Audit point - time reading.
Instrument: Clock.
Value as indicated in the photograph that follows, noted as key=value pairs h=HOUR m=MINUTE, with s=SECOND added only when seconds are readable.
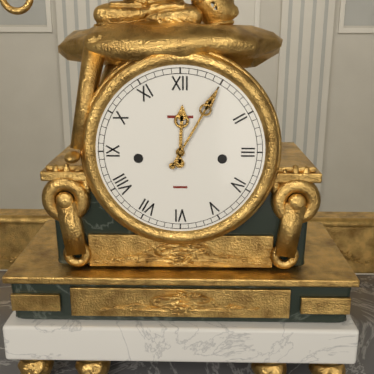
h=12 m=5
